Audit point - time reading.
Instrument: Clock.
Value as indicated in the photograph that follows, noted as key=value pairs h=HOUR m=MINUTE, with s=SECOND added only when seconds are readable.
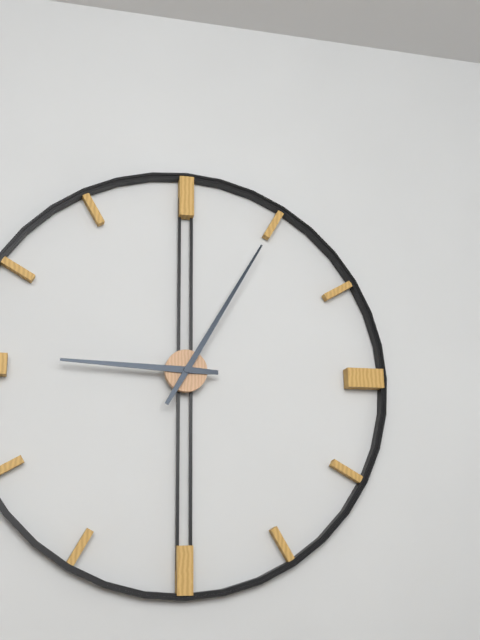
h=9 m=5
